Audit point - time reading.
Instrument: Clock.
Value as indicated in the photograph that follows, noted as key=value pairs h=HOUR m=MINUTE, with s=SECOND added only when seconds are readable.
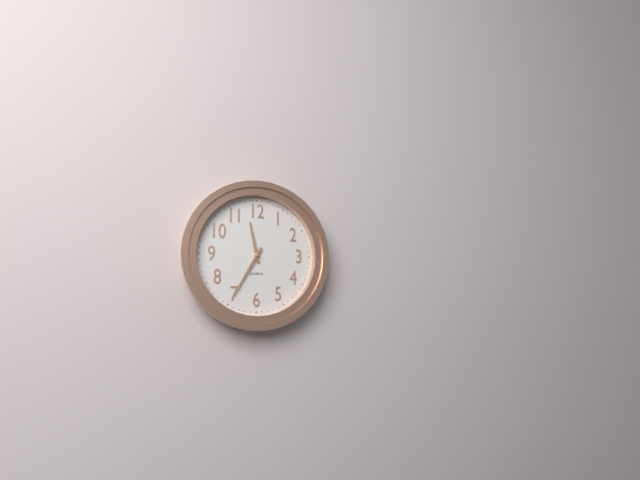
h=11 m=35
